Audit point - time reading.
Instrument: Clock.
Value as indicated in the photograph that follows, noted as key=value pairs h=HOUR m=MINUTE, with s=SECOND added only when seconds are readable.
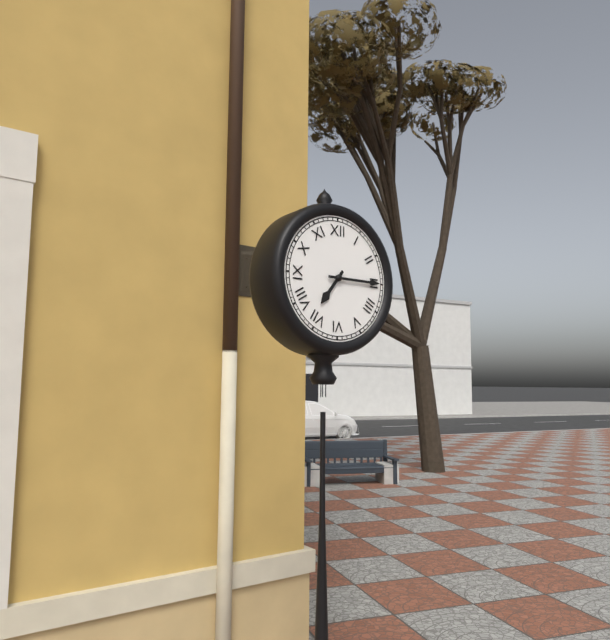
h=7 m=15
